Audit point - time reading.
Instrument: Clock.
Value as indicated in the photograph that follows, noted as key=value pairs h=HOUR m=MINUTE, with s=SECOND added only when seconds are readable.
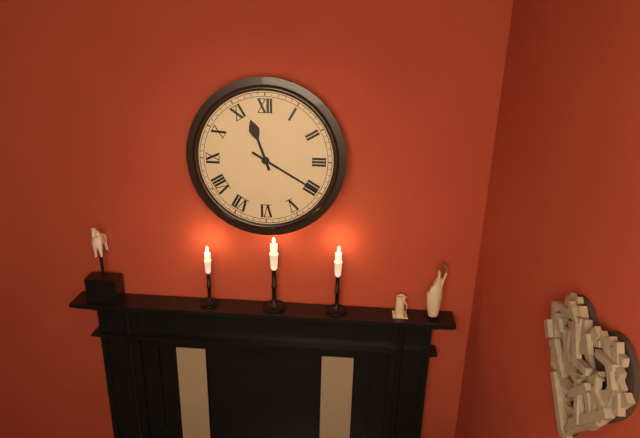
h=11 m=20
